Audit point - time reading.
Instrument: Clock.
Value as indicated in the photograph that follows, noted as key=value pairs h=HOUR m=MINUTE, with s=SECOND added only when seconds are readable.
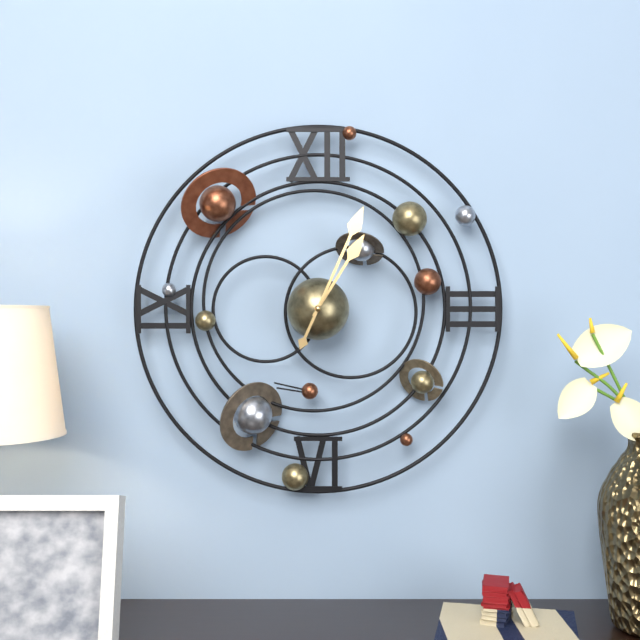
h=1 m=4
